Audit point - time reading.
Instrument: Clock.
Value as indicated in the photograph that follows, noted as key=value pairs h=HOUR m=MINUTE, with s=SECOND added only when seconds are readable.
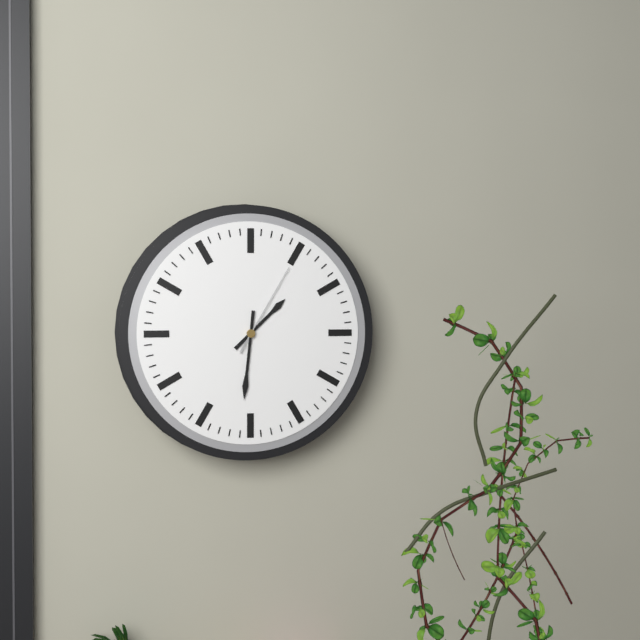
h=1 m=31 s=5
